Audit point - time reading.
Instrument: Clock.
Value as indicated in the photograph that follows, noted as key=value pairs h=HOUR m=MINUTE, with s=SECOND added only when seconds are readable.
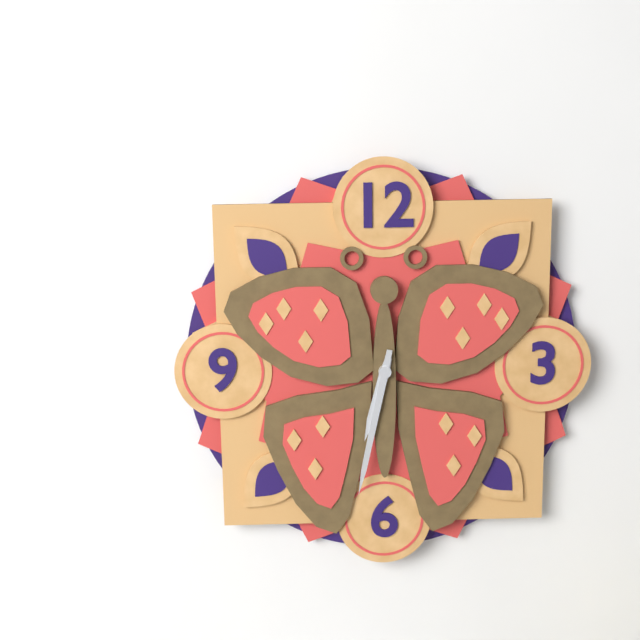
h=6 m=32
